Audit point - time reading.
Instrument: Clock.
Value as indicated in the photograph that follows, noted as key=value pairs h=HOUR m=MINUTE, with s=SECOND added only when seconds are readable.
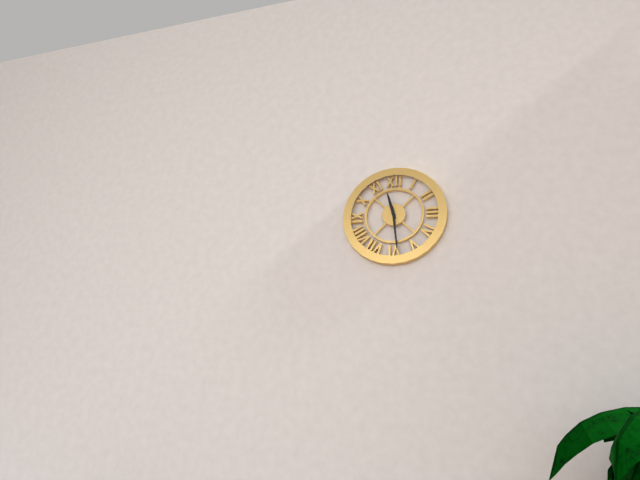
h=11 m=29
